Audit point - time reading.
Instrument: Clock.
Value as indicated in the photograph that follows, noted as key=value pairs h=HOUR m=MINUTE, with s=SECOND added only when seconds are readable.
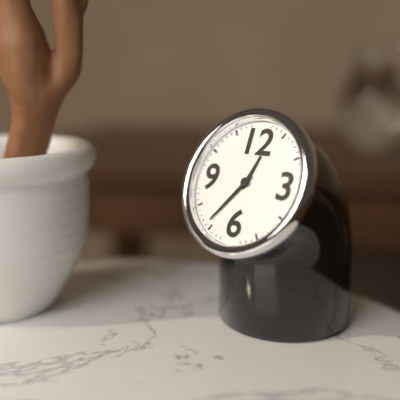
h=12 m=36
